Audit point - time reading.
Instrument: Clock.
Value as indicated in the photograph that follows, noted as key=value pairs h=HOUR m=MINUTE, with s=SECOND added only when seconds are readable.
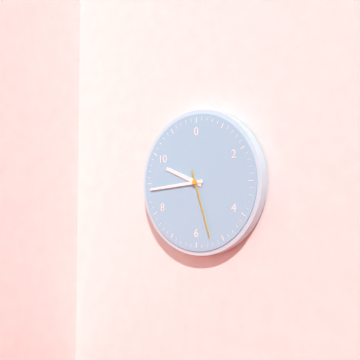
h=9 m=44 s=27
